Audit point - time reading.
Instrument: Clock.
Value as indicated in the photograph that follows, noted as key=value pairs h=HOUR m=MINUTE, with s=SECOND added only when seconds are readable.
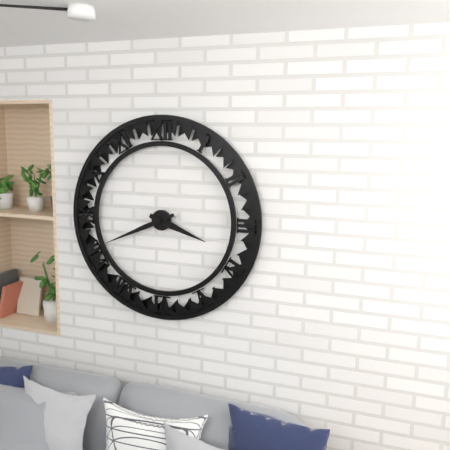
h=3 m=41
